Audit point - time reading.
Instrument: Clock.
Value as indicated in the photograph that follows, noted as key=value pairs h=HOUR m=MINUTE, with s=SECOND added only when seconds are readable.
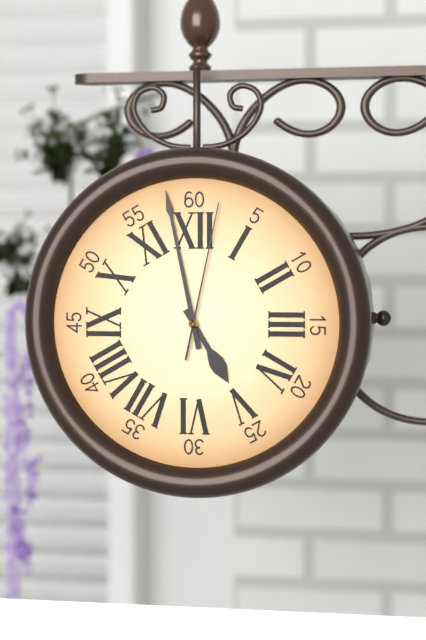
h=4 m=58 s=2
